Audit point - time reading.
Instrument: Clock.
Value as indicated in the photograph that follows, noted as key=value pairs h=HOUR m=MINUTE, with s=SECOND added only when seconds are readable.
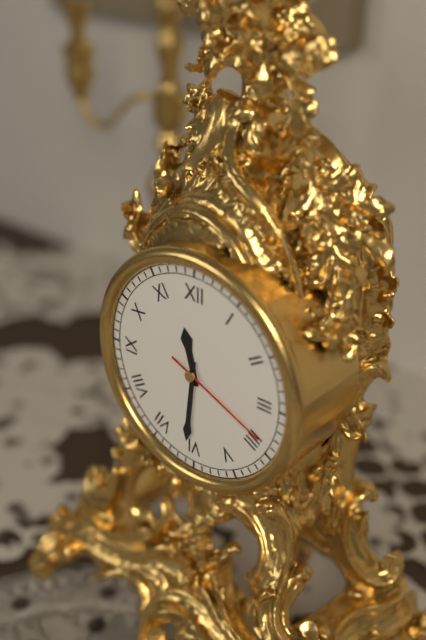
h=11 m=31 s=19
